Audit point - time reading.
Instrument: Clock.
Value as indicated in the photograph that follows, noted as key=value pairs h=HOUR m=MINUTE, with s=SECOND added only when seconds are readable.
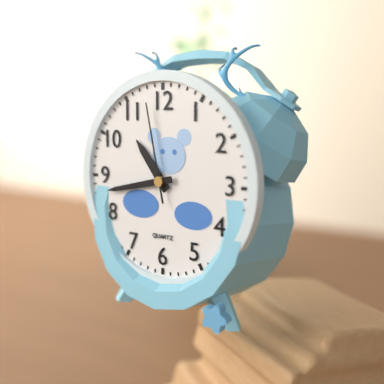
h=10 m=43 s=58
